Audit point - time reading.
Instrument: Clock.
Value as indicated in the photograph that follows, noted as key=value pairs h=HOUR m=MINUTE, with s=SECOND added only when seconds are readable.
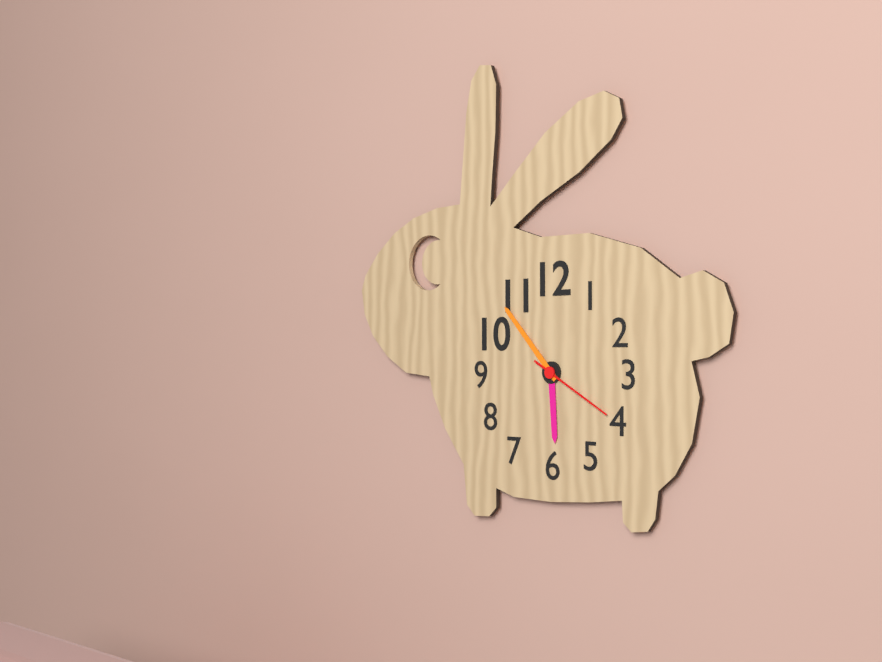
h=5 m=53 s=20
